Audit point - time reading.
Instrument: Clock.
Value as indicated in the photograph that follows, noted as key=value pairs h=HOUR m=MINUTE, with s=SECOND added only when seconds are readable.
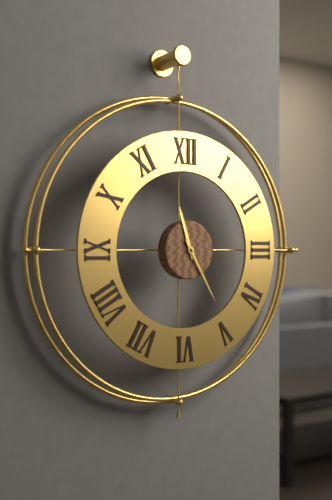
h=11 m=25
